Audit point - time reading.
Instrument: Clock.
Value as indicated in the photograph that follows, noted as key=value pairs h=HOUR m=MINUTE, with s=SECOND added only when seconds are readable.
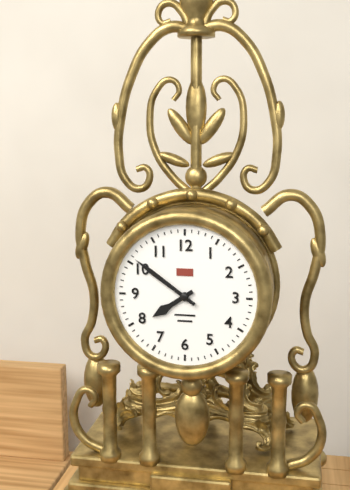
h=7 m=51
